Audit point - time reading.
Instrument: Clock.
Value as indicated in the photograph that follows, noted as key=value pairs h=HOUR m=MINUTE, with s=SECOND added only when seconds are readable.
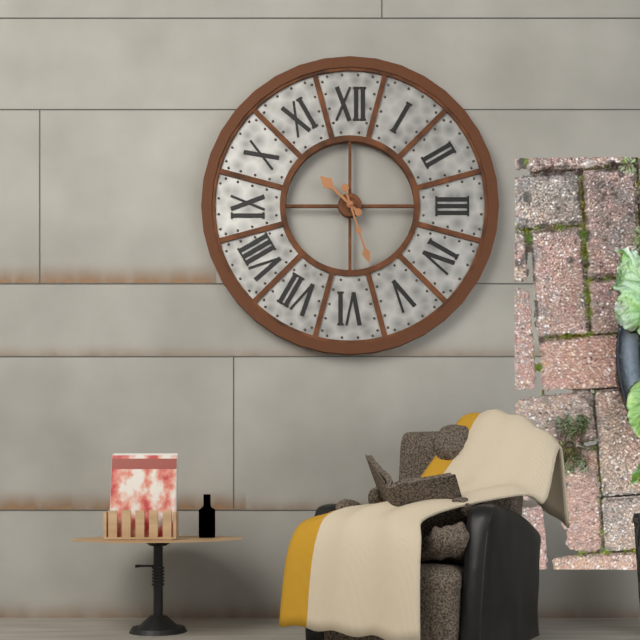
h=10 m=27
